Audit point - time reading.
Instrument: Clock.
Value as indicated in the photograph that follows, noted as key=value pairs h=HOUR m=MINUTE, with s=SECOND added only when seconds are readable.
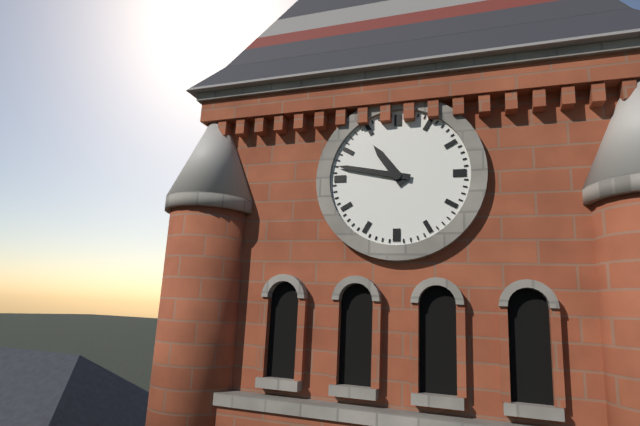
h=10 m=47
